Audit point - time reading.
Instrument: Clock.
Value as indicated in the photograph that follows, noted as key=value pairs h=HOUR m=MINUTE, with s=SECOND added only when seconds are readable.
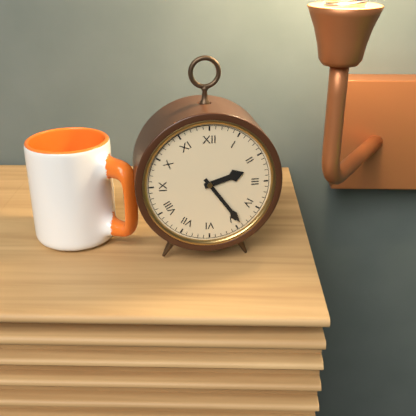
h=2 m=24
